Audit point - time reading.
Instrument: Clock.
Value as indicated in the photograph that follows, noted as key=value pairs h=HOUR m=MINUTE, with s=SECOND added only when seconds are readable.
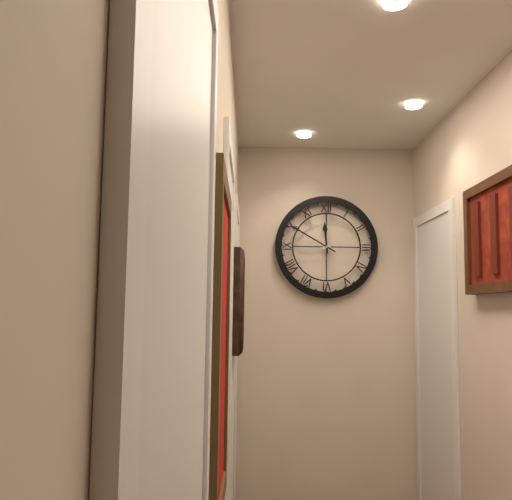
h=11 m=50
